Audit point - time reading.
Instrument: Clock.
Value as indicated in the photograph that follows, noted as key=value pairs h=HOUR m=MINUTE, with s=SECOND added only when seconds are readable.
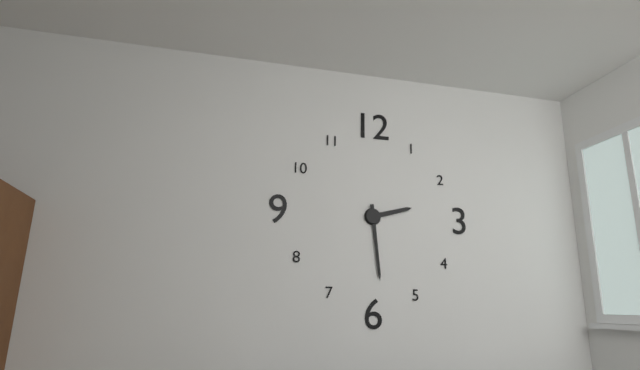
h=2 m=29
